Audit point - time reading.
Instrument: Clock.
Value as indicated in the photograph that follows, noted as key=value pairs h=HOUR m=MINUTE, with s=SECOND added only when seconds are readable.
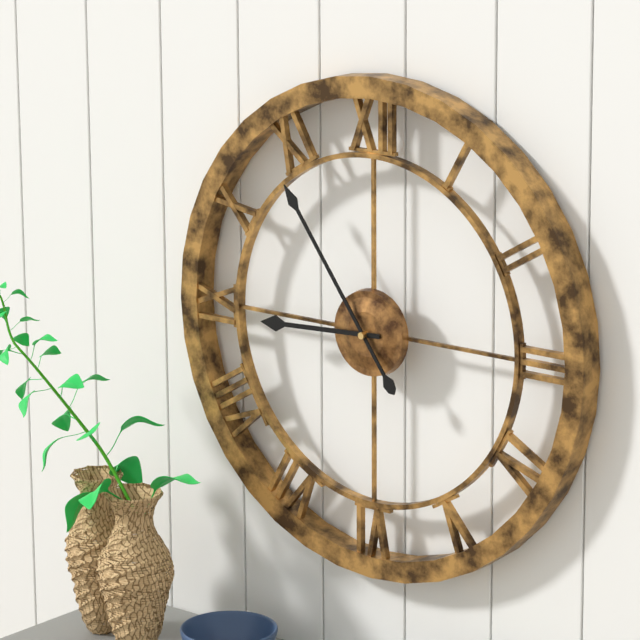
h=8 m=54
